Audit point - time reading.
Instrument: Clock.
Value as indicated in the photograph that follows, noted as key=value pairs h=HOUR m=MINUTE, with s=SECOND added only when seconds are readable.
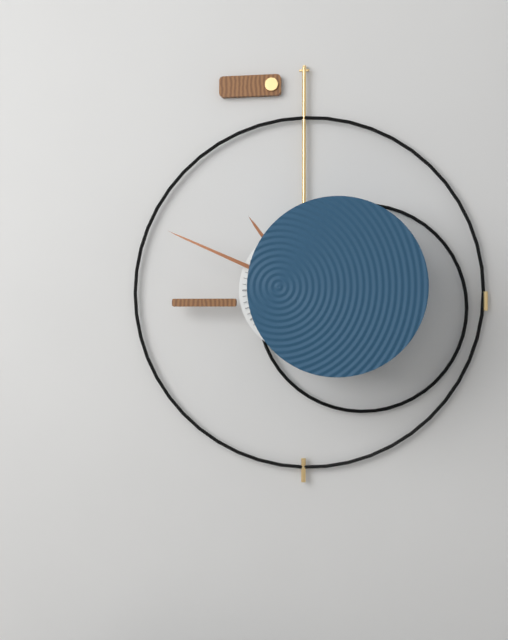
h=10 m=49
